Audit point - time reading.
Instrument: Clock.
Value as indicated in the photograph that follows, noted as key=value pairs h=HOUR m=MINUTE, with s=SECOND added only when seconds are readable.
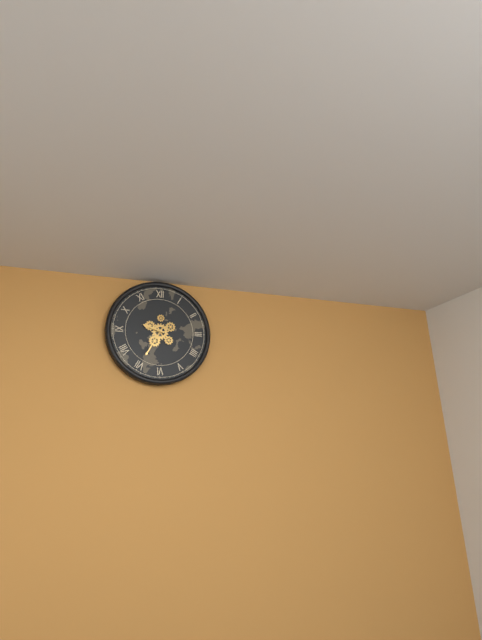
h=9 m=35
